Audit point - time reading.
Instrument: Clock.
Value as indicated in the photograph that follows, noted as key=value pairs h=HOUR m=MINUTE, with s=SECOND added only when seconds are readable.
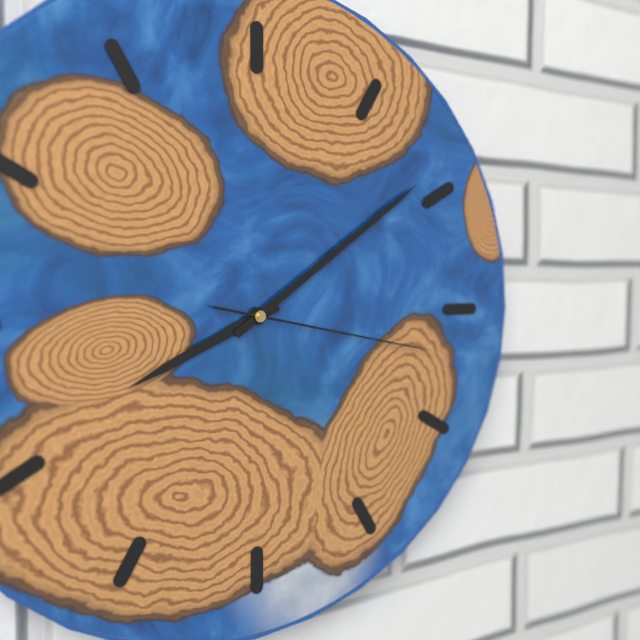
h=8 m=9 s=17
